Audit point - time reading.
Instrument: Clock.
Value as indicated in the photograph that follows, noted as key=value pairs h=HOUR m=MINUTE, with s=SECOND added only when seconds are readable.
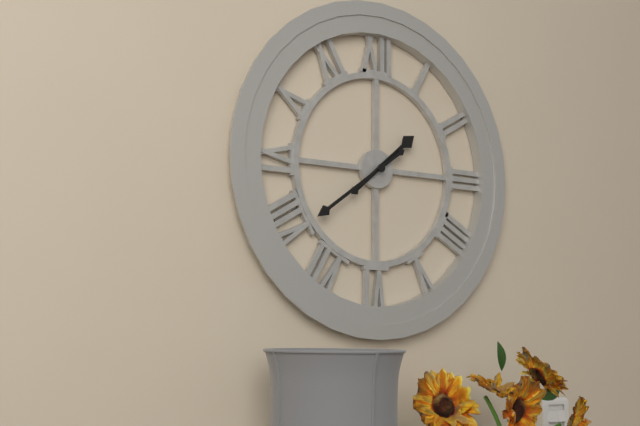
h=1 m=39
